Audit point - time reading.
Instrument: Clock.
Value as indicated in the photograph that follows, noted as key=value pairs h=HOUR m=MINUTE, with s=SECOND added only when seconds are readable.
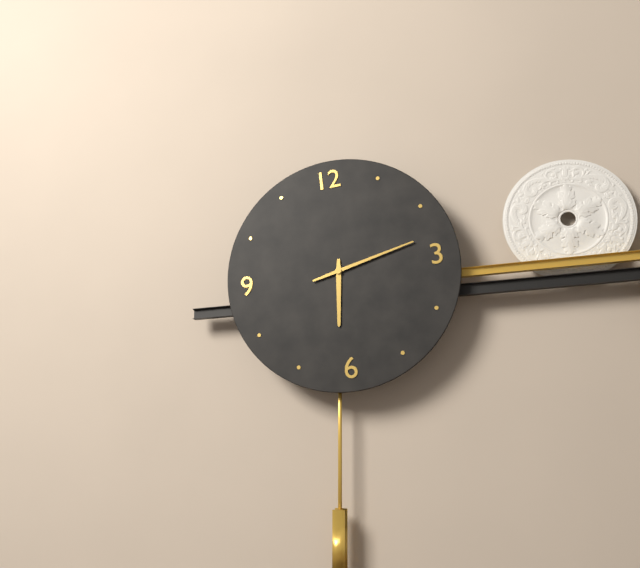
h=6 m=13
